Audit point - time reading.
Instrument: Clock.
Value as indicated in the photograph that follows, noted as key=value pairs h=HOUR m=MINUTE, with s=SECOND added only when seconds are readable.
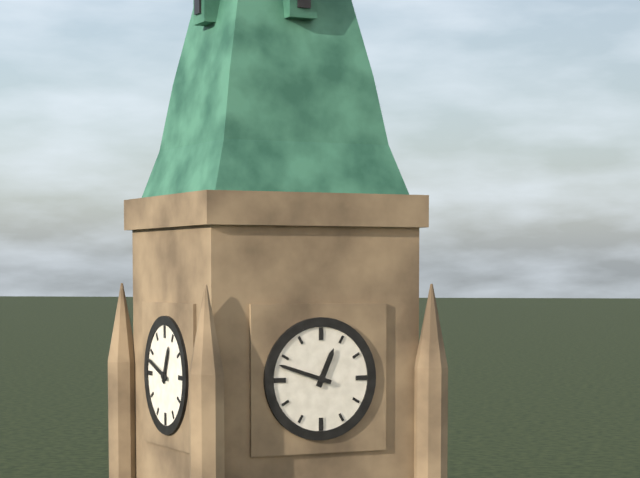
h=12 m=48
